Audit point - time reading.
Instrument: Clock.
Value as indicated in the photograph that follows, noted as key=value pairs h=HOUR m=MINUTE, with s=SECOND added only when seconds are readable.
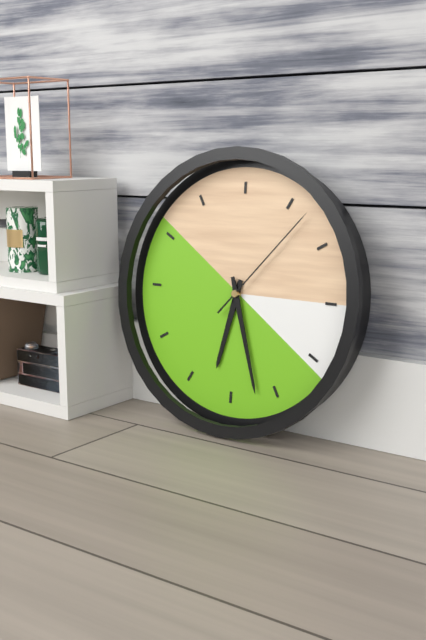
h=6 m=27 s=7
